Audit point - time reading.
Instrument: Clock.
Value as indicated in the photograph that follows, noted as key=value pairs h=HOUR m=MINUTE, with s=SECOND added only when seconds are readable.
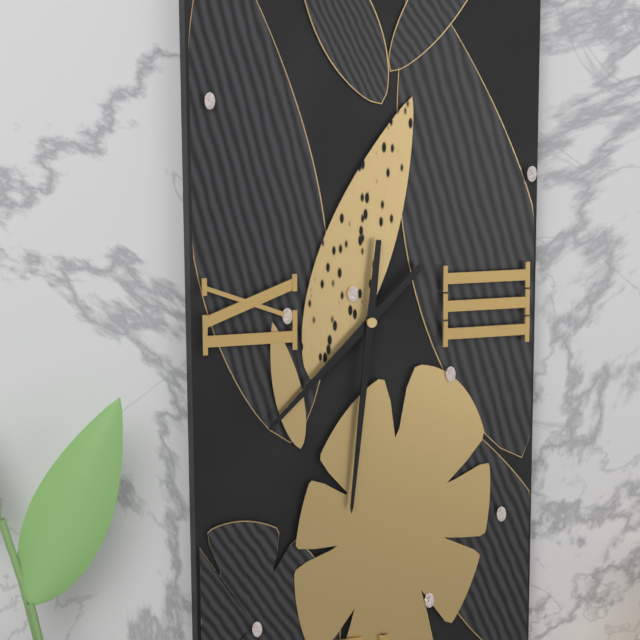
h=7 m=31
